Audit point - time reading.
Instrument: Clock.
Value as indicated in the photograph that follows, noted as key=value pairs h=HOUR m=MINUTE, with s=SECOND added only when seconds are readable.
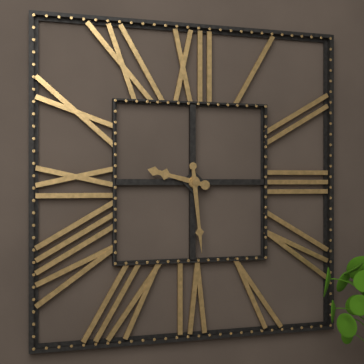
h=9 m=29
